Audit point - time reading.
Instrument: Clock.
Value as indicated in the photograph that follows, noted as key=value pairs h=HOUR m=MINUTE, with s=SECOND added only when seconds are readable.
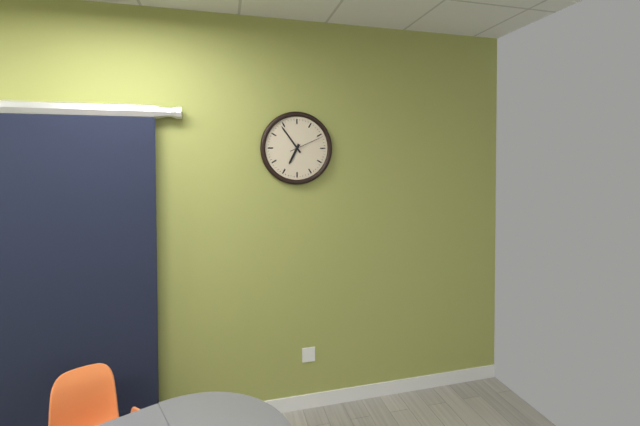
h=6 m=54
